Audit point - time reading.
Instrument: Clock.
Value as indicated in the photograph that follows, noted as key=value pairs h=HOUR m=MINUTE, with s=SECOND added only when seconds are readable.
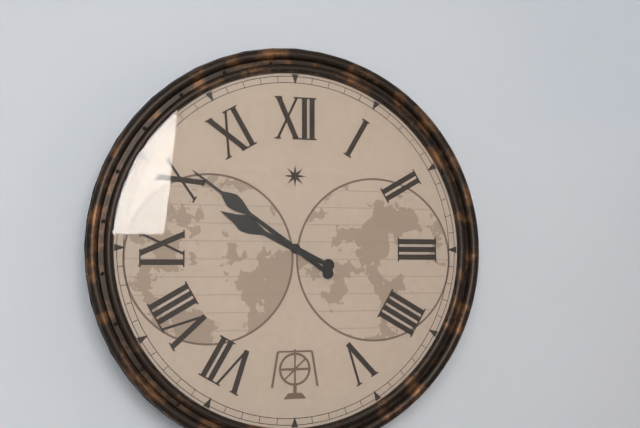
h=9 m=51
